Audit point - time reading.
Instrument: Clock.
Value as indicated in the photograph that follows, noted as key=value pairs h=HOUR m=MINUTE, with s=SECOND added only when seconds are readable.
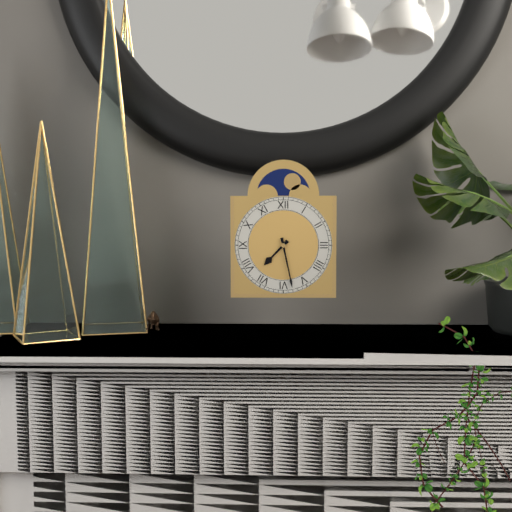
h=7 m=28
